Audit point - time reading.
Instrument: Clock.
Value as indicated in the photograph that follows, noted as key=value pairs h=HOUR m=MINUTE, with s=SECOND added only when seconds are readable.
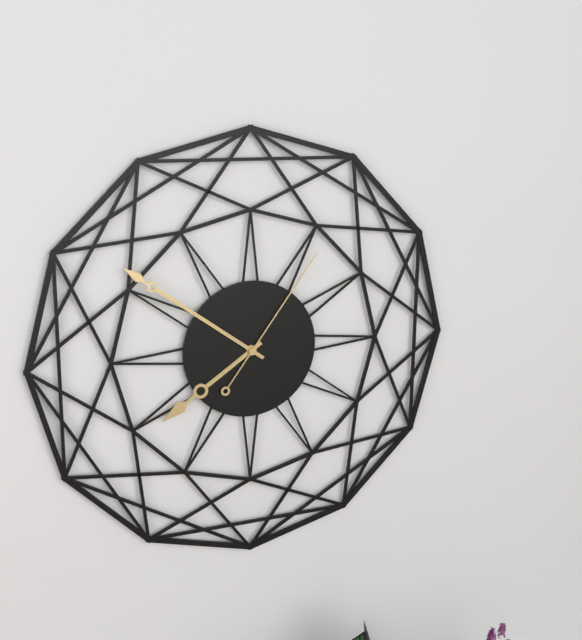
h=7 m=51 s=6
